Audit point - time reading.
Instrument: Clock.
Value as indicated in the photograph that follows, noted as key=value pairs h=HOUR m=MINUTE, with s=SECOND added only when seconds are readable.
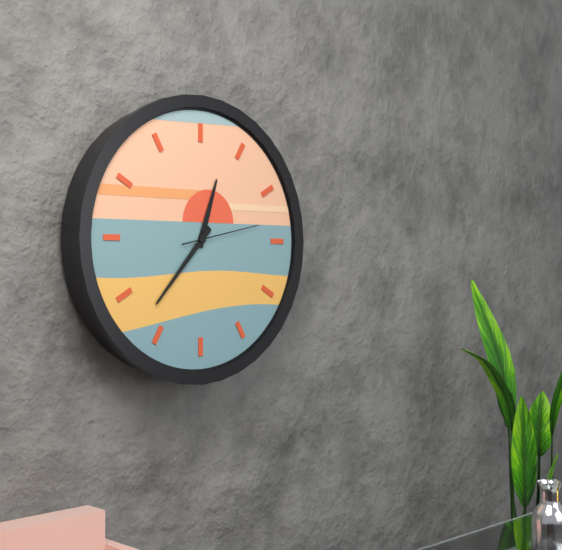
h=12 m=37 s=13
